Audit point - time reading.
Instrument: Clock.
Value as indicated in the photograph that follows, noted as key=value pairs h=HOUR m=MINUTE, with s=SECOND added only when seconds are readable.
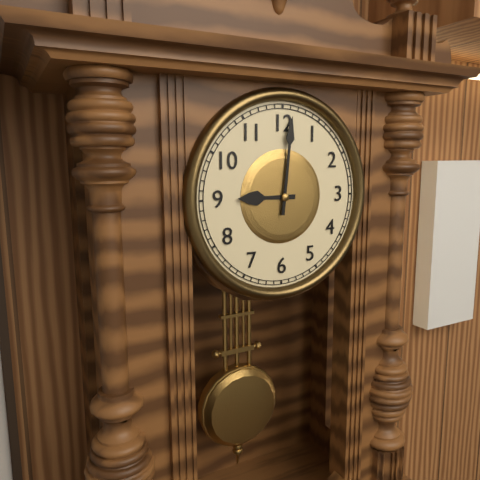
h=9 m=1
